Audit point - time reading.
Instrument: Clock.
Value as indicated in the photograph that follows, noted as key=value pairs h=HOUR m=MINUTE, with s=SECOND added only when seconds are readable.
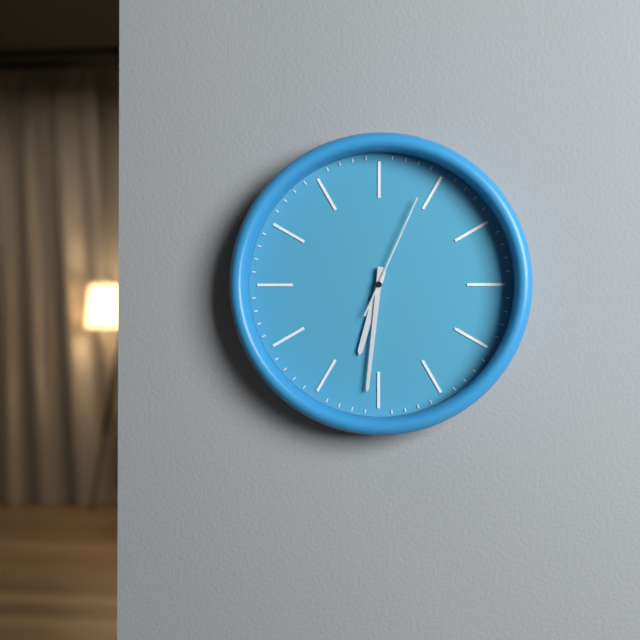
h=6 m=31 s=4
